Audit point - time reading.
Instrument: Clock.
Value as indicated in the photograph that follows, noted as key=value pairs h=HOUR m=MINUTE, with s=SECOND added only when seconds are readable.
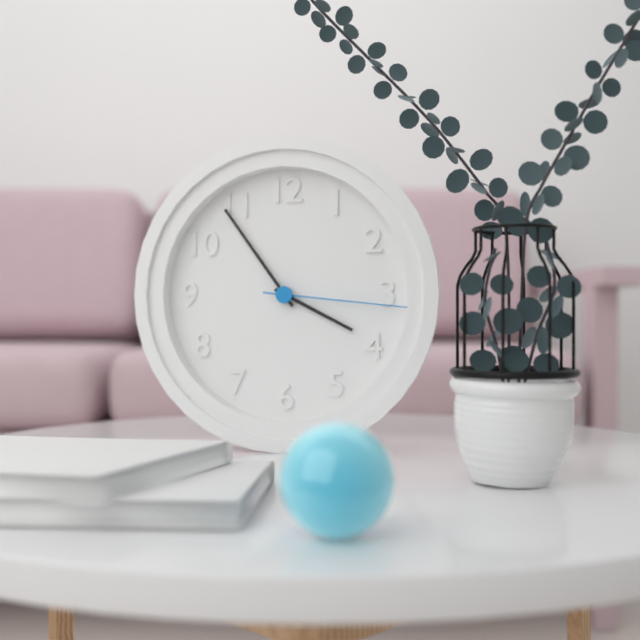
h=3 m=54 s=16
